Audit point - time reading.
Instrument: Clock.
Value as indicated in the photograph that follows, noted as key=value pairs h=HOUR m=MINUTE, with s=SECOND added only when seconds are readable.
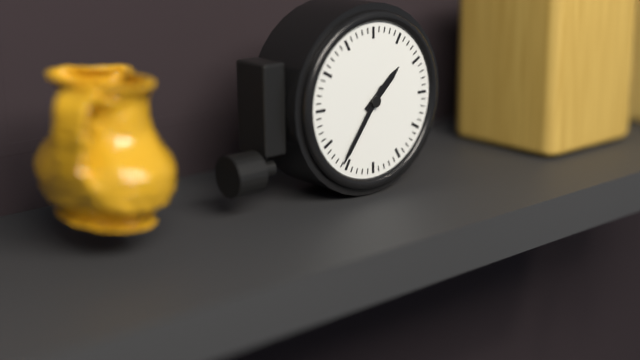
h=1 m=36
